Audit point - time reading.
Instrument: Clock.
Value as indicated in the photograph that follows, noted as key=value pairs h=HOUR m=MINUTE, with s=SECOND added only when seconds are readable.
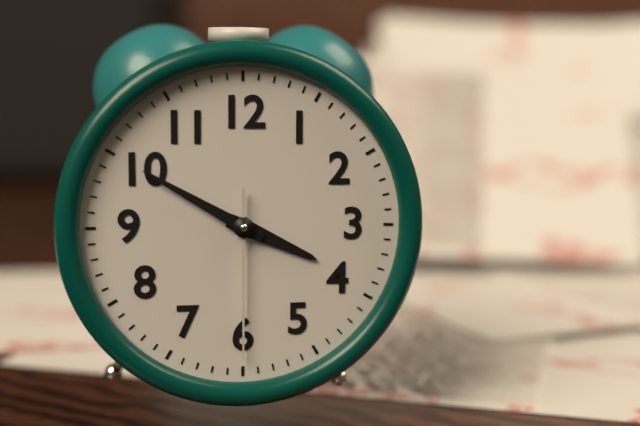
h=3 m=50 s=30
